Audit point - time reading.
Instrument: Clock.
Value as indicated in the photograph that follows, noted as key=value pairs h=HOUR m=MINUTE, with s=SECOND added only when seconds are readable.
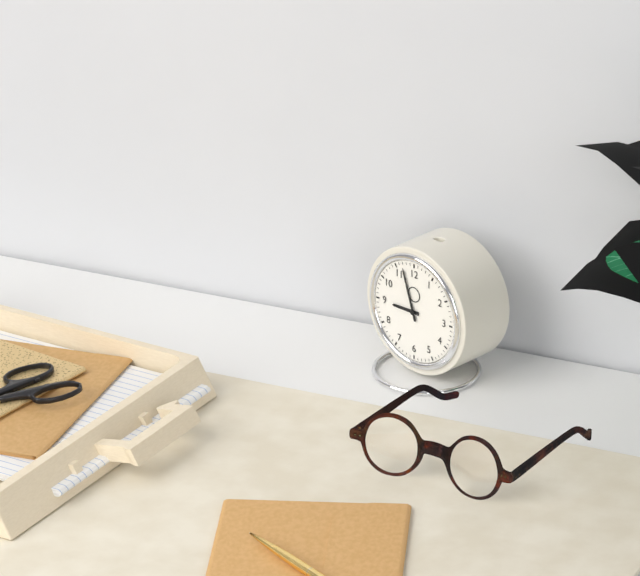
h=8 m=57
